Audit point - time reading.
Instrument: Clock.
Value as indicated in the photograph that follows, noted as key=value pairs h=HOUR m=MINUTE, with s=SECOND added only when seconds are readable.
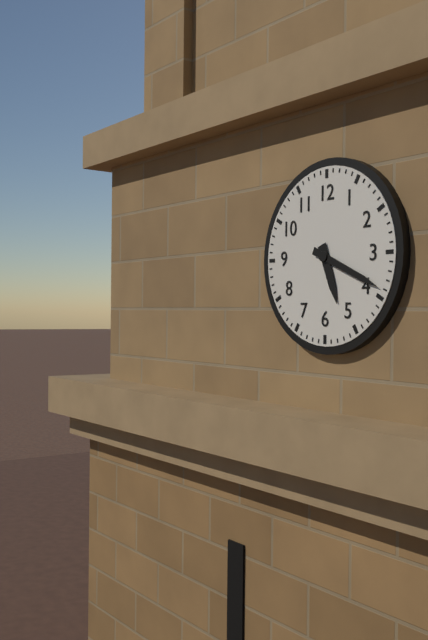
h=5 m=19
